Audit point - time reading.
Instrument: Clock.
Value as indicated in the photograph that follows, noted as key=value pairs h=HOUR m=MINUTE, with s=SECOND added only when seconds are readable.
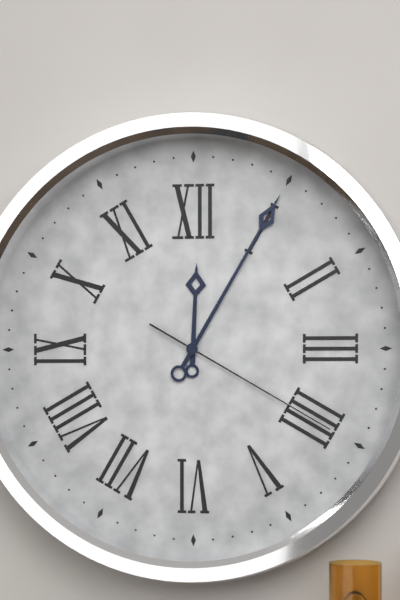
h=12 m=5 s=20
